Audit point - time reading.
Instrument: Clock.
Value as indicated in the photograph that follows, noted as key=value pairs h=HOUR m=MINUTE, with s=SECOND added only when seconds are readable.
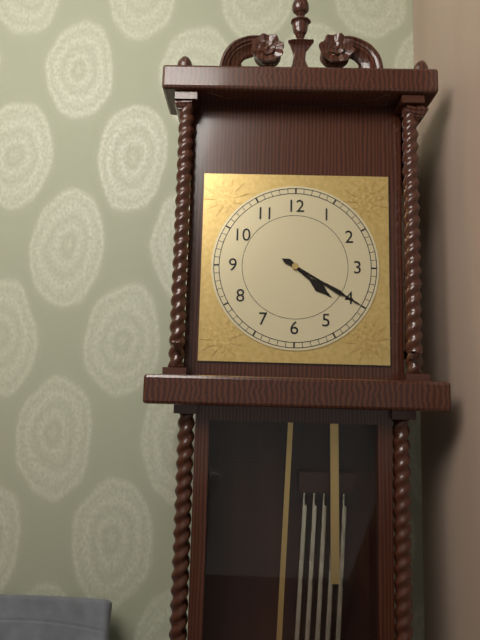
h=4 m=20
